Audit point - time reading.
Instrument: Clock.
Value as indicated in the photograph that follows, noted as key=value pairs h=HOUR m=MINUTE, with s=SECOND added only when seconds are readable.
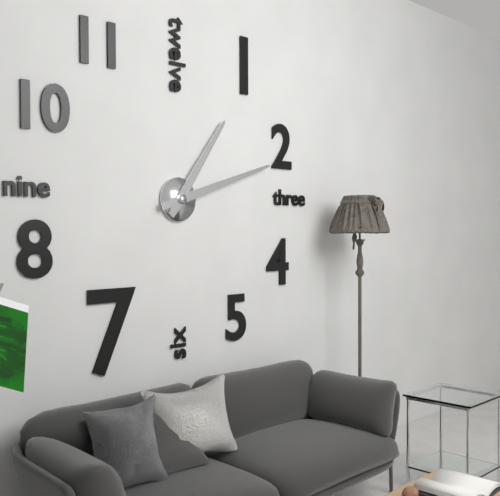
h=1 m=12
